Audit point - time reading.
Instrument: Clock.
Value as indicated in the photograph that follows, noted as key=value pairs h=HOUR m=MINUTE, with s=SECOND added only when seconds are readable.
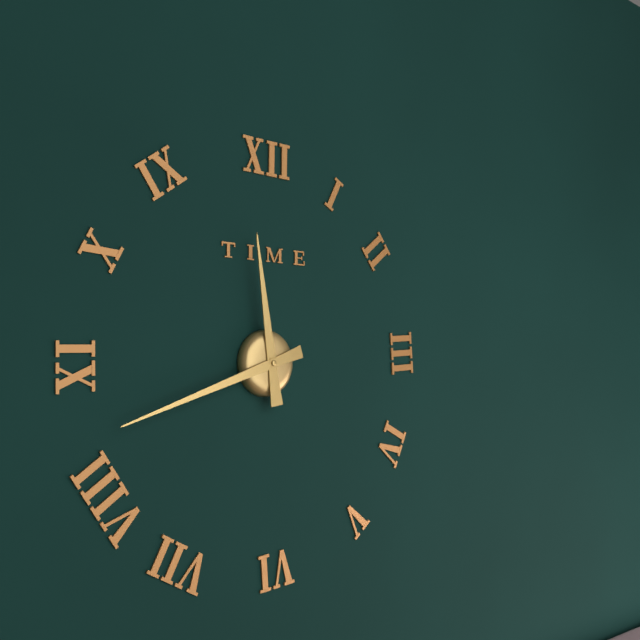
h=11 m=42
